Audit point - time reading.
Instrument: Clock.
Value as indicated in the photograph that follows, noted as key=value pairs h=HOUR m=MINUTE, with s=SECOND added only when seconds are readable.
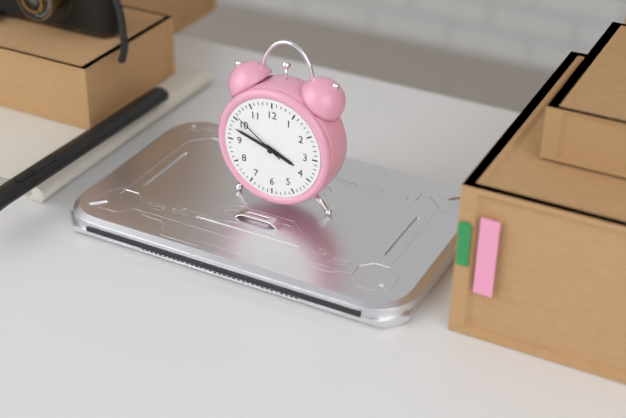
h=3 m=48 s=51
